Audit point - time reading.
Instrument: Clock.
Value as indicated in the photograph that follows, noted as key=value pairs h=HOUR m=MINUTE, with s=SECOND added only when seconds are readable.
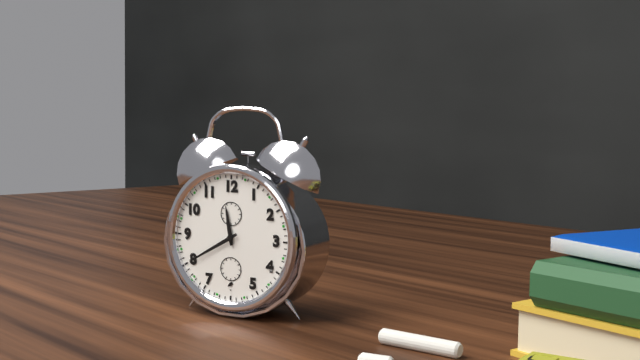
h=11 m=40
